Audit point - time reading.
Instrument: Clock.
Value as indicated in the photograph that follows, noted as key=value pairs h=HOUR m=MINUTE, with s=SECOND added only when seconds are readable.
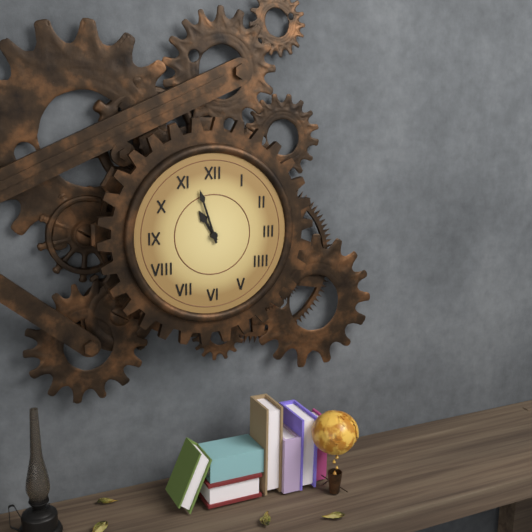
h=10 m=57
